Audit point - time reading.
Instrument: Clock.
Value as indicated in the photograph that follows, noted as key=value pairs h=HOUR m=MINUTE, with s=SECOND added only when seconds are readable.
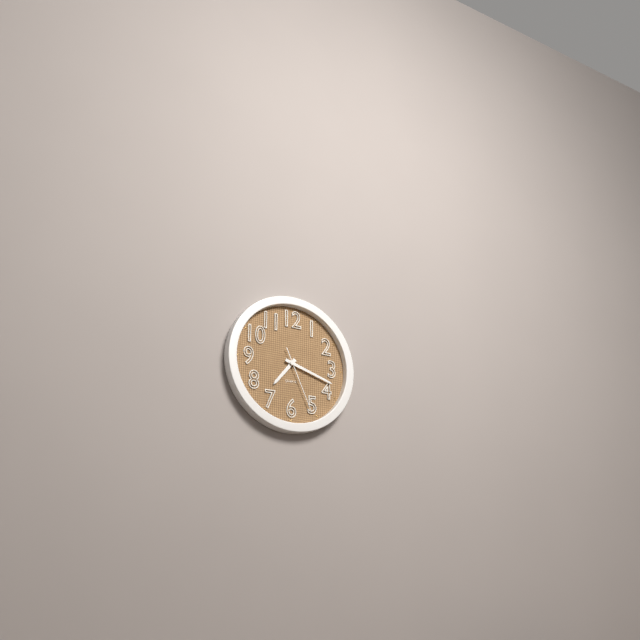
h=7 m=18 s=26
